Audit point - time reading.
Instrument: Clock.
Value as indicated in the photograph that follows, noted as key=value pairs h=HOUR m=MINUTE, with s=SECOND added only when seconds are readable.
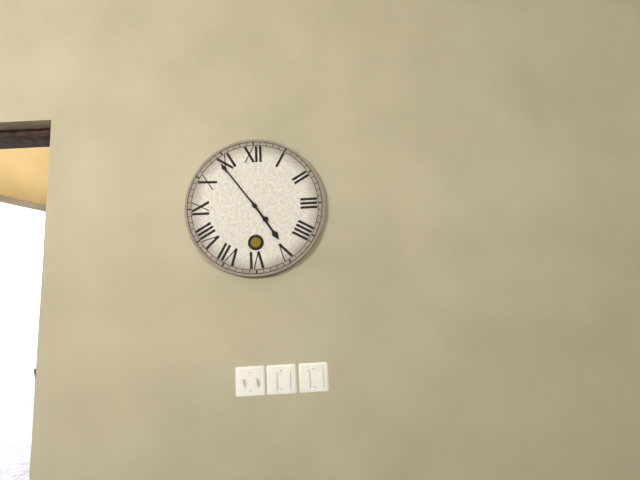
h=4 m=54
